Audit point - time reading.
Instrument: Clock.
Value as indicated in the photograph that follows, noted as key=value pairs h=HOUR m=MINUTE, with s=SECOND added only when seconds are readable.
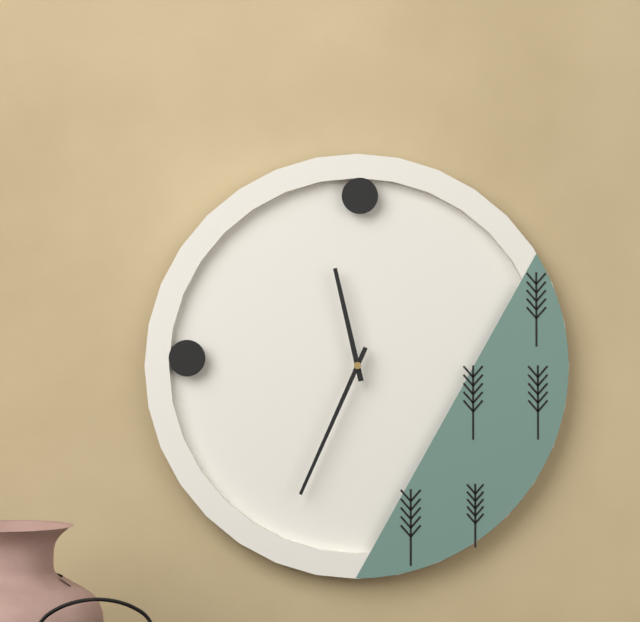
h=11 m=34
